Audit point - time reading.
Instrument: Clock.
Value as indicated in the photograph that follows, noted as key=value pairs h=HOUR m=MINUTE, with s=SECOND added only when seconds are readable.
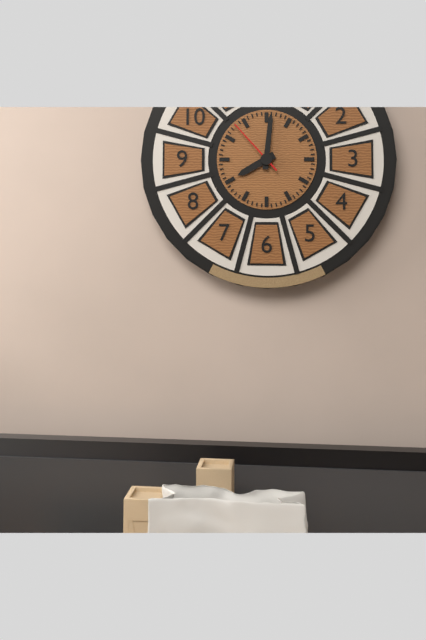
h=8 m=1 s=53
